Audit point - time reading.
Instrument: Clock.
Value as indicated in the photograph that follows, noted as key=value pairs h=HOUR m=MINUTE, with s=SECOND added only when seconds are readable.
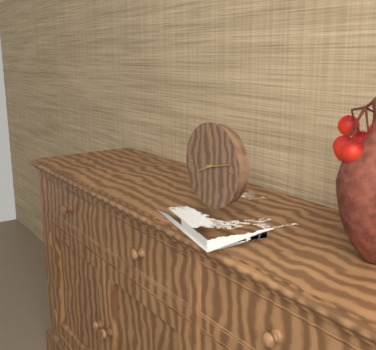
h=8 m=13
